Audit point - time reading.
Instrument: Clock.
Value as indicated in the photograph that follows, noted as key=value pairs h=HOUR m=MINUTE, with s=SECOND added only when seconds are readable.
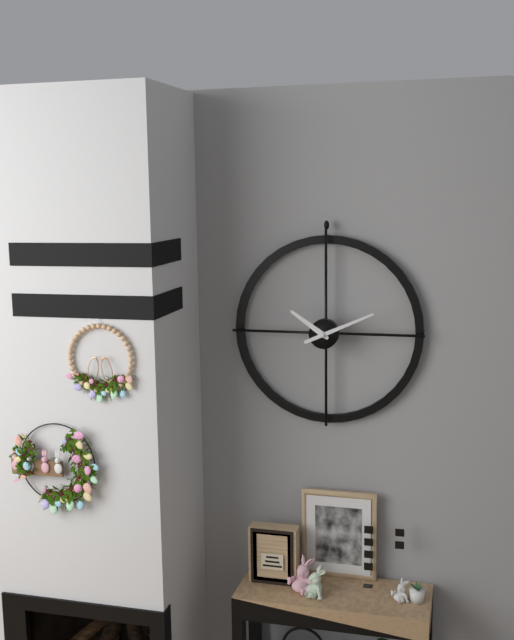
h=10 m=11
